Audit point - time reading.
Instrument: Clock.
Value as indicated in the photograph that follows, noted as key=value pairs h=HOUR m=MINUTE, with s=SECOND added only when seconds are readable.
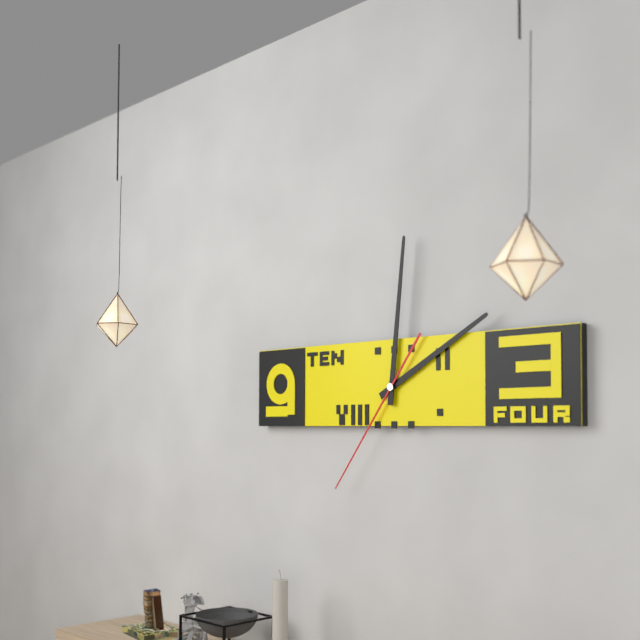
h=2 m=1 s=36
